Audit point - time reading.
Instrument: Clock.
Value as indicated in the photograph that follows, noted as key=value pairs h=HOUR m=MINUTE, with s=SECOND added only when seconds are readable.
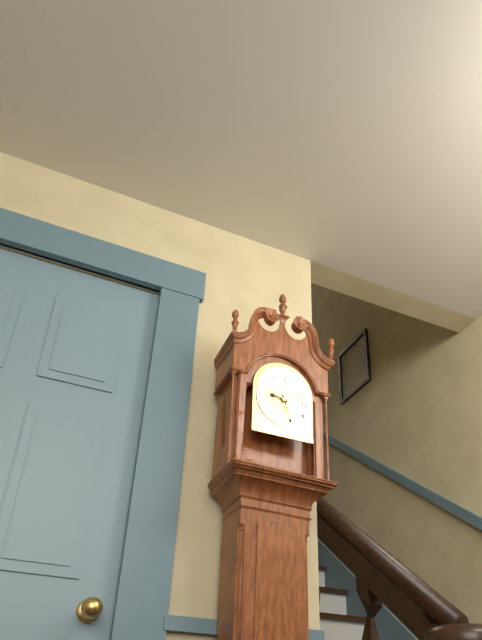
h=9 m=27
